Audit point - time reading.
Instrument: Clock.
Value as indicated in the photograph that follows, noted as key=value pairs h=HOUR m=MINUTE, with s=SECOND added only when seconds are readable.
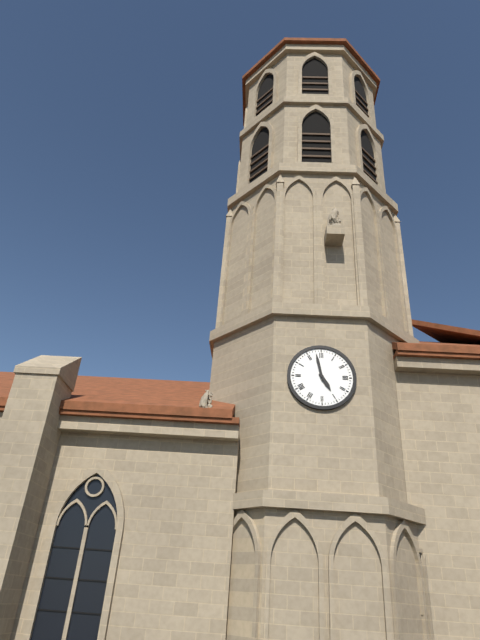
h=4 m=58
